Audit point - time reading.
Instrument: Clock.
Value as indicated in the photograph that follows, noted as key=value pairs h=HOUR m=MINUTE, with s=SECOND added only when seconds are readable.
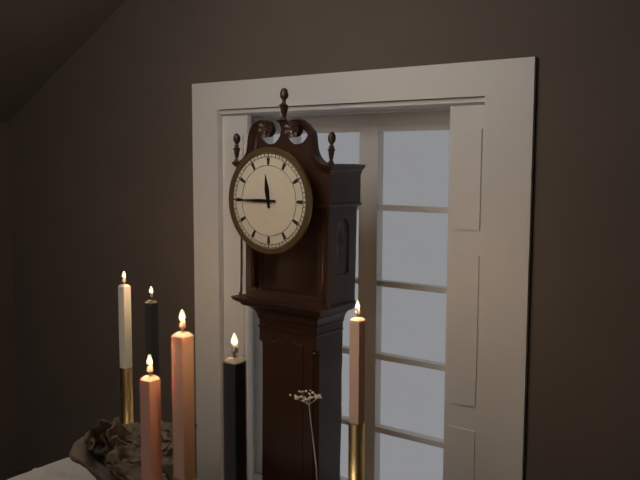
h=11 m=45
